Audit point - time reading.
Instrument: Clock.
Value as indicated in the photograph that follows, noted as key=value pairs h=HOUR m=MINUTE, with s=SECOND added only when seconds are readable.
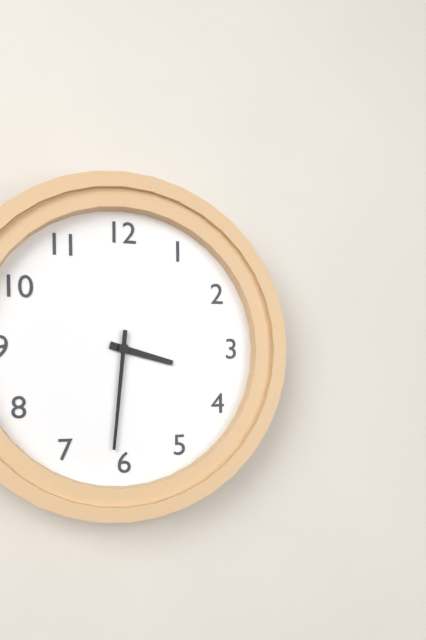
h=3 m=31
